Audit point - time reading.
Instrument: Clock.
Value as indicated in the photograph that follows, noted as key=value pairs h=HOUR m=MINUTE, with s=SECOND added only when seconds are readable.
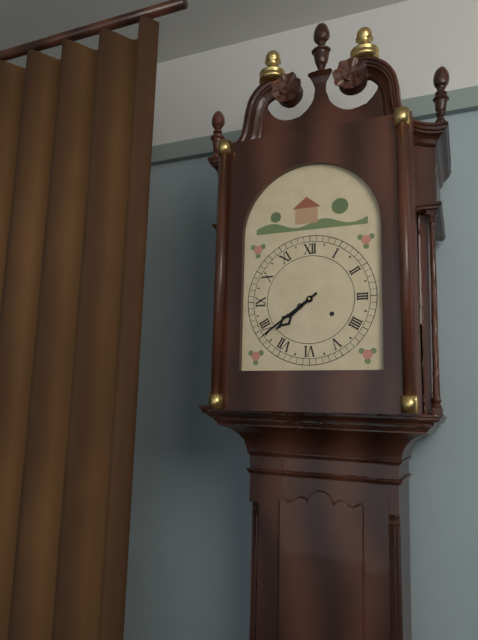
h=7 m=39
